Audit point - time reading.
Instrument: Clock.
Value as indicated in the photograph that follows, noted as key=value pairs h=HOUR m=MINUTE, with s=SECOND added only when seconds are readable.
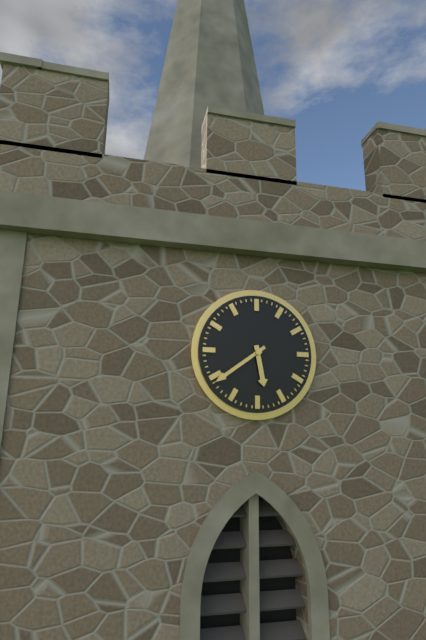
h=5 m=39
